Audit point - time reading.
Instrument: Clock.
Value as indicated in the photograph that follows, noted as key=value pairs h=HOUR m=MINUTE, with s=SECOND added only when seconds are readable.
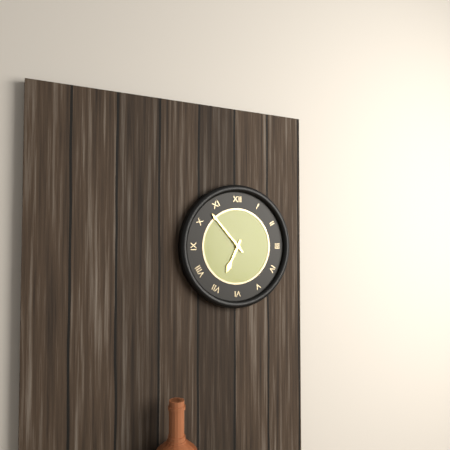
h=6 m=53
